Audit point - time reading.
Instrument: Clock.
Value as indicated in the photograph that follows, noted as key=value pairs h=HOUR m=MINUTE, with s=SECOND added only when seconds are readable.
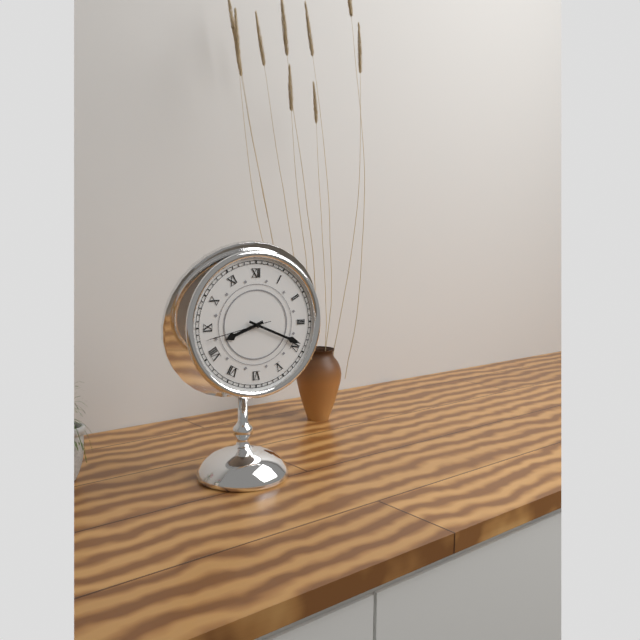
h=8 m=19 s=43
